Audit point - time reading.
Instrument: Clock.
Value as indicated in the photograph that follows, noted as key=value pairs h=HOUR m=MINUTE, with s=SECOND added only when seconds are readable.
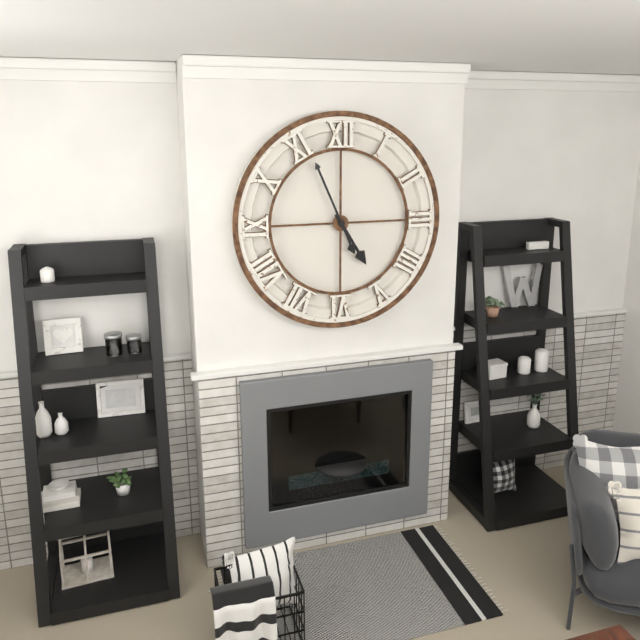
h=4 m=56
